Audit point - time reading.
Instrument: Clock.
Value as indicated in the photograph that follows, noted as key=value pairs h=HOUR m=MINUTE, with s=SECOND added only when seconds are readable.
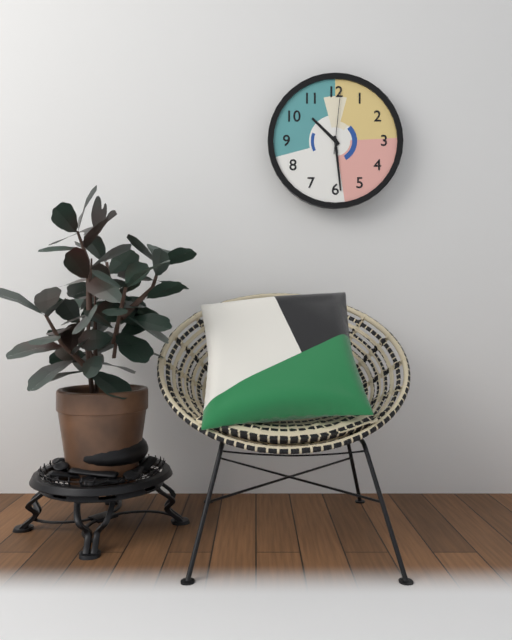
h=10 m=29 s=1
